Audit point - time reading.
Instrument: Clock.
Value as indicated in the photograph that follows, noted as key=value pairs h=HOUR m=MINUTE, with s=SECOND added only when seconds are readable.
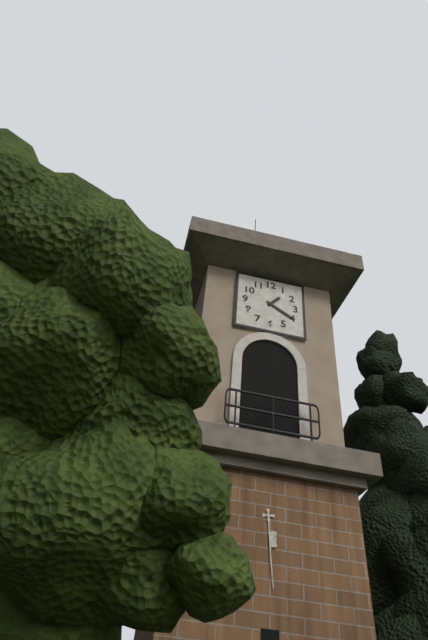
h=1 m=20
